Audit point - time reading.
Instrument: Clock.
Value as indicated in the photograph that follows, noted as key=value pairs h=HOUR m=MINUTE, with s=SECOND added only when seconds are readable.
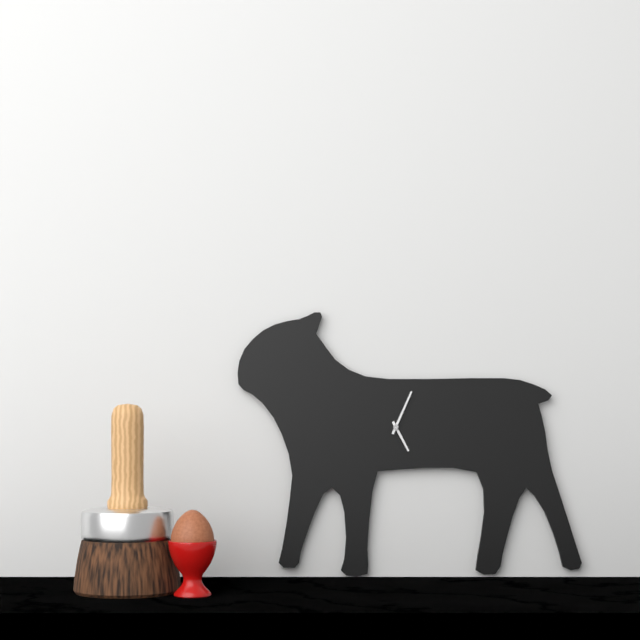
h=5 m=4
